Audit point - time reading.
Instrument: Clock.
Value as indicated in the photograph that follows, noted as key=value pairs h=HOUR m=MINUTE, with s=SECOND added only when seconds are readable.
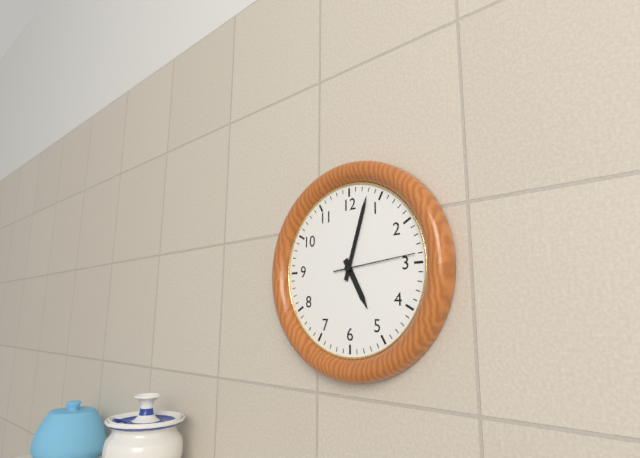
h=5 m=3 s=14
